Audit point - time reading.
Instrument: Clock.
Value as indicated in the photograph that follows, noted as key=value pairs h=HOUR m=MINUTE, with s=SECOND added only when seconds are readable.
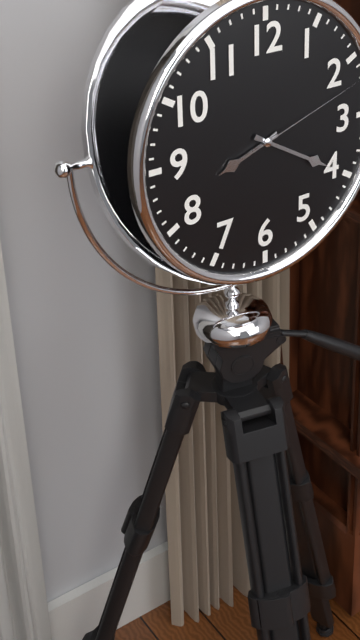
h=8 m=20
